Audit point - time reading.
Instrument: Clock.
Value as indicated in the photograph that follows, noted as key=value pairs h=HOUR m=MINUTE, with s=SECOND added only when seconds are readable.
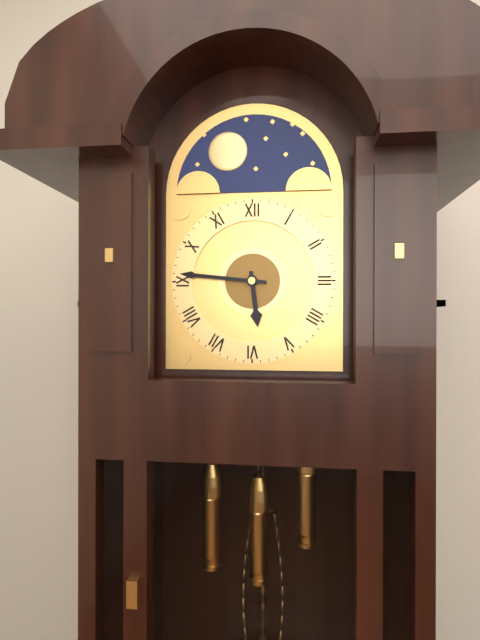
h=5 m=46
